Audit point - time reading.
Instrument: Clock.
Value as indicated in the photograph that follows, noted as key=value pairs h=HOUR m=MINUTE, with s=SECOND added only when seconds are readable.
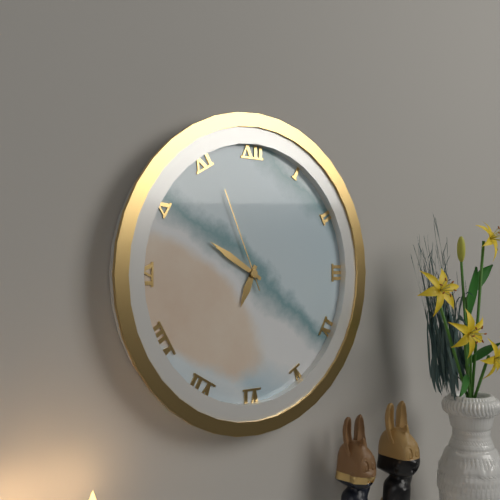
h=6 m=50 s=56
